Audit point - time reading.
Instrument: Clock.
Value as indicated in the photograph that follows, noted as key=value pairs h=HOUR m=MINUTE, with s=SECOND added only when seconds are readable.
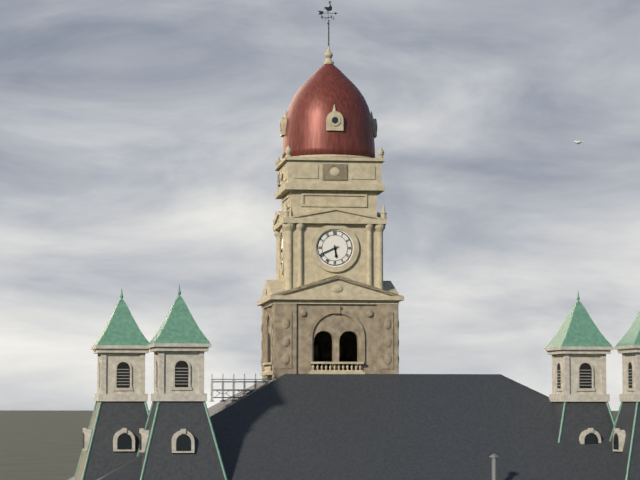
h=5 m=41
